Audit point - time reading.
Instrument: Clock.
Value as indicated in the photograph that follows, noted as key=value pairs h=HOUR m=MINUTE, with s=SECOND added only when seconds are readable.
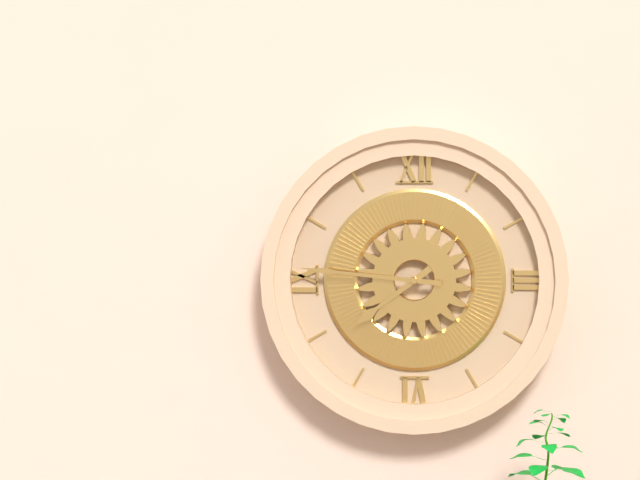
h=7 m=46
